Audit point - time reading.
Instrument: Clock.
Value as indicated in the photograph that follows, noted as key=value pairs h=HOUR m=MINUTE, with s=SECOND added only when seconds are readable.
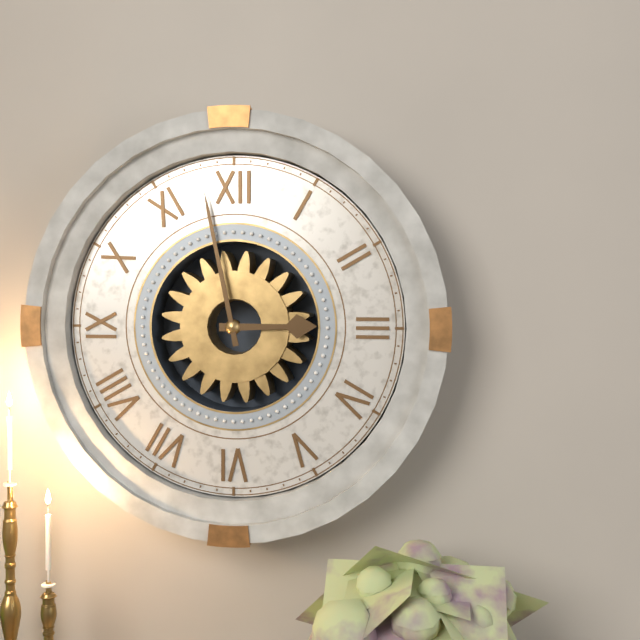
h=2 m=58
